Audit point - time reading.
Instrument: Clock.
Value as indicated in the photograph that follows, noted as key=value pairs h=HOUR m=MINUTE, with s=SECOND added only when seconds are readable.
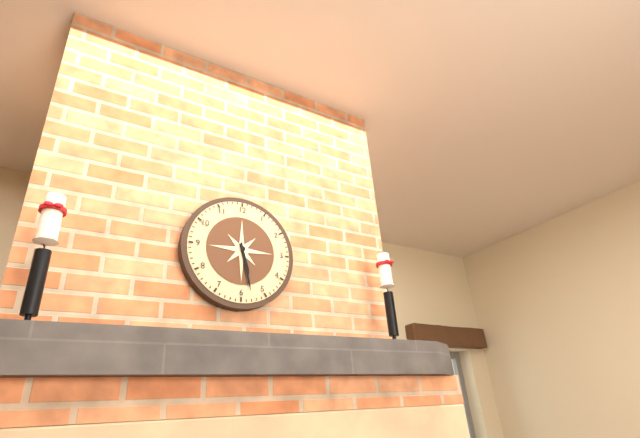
h=5 m=28
